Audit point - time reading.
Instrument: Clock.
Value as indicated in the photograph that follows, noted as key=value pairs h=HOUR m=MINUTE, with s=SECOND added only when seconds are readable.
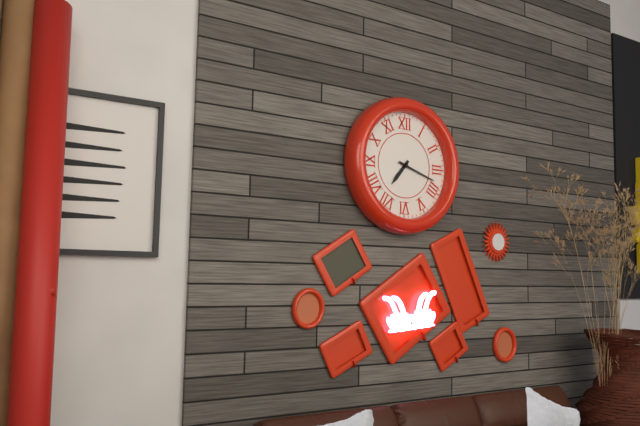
h=7 m=18
